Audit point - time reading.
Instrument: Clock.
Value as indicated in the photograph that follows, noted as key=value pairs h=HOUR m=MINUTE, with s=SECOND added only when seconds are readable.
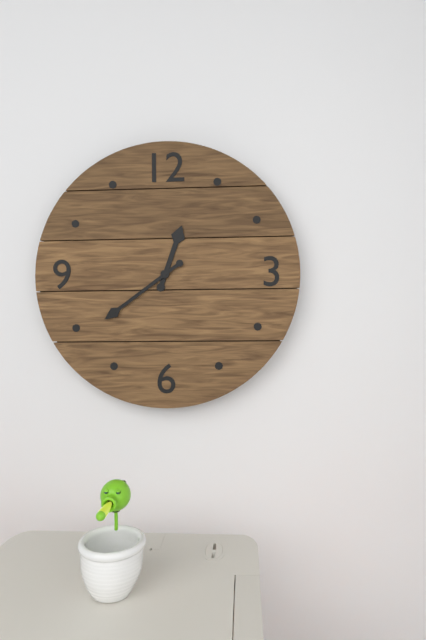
h=12 m=39
